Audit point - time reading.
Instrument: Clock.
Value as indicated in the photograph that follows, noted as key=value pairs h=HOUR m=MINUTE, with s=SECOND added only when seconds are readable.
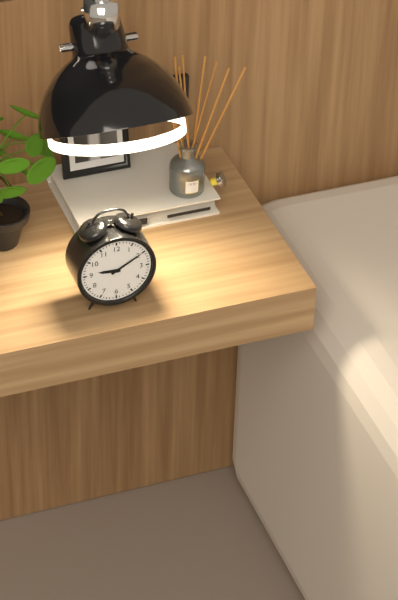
h=9 m=10
